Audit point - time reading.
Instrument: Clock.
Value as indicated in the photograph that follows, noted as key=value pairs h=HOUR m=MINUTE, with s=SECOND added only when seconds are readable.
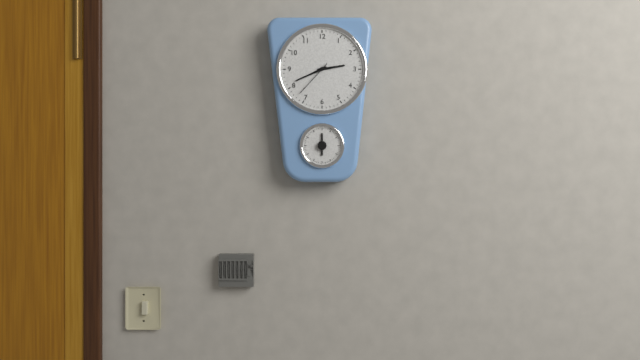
h=2 m=41
